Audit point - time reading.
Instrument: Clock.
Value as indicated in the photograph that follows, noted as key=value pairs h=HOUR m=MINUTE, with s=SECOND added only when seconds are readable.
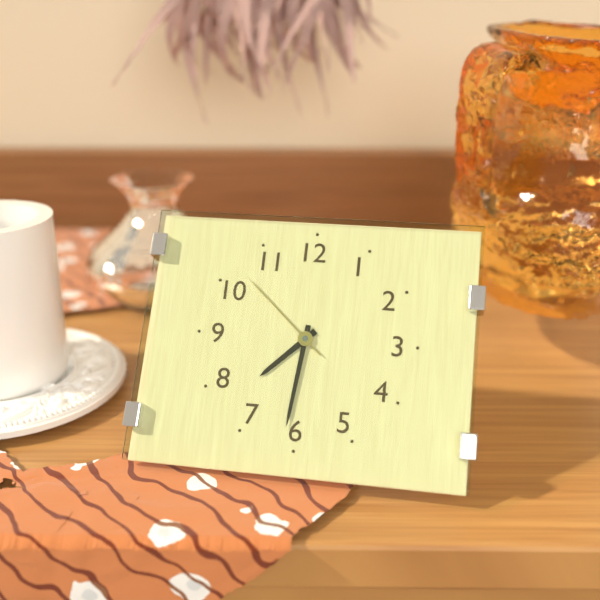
h=7 m=31 s=52
